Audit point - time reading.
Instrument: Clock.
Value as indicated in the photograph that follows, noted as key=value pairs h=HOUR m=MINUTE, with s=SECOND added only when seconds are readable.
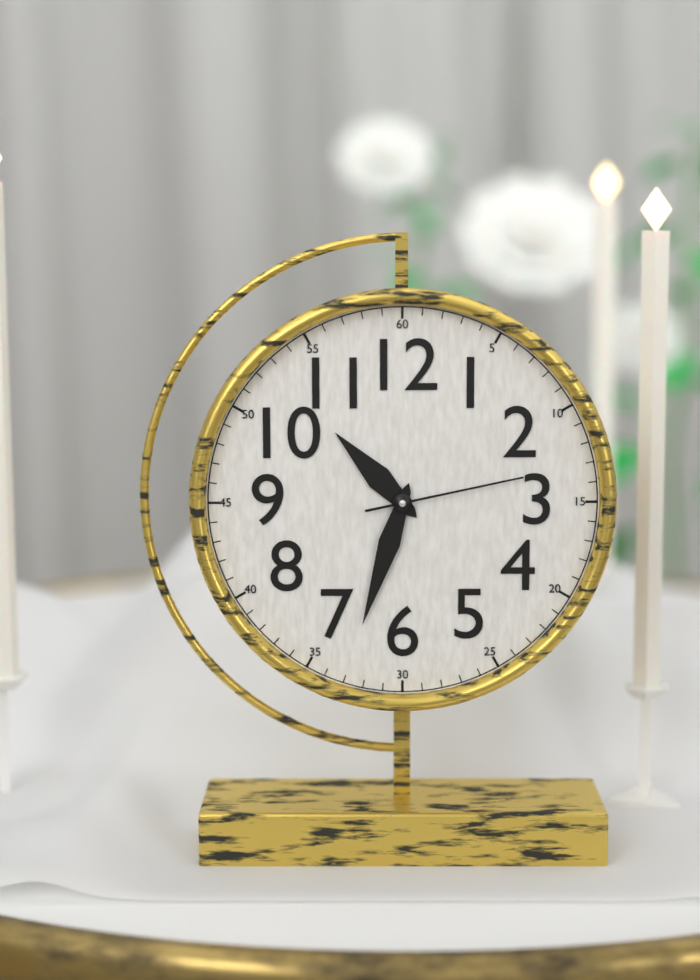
h=10 m=33 s=13
